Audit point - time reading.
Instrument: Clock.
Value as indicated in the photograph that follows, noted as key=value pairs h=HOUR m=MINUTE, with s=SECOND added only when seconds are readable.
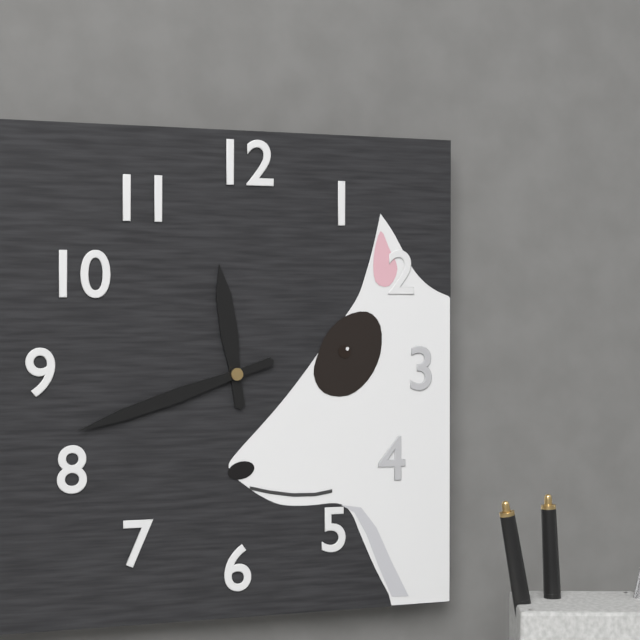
h=11 m=42
